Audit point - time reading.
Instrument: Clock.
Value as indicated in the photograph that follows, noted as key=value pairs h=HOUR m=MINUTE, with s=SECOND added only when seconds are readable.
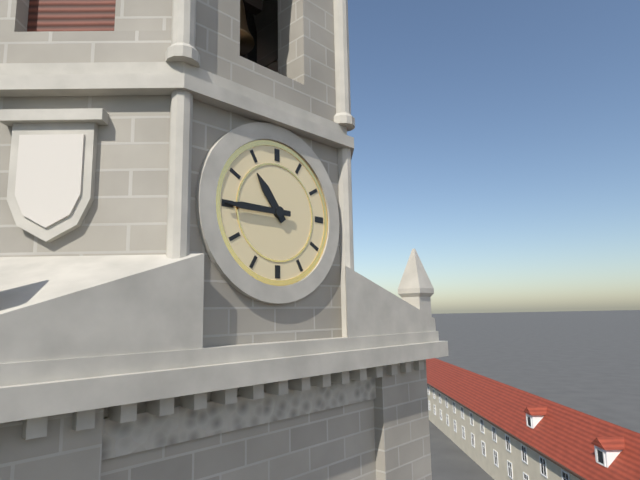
h=10 m=45
